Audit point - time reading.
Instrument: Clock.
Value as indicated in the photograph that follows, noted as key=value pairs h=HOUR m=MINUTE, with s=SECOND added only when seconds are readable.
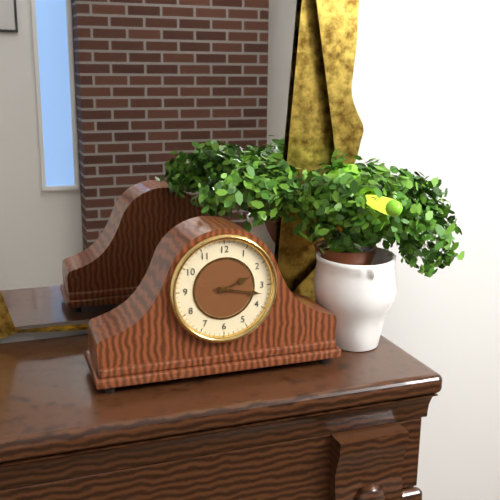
h=2 m=17
